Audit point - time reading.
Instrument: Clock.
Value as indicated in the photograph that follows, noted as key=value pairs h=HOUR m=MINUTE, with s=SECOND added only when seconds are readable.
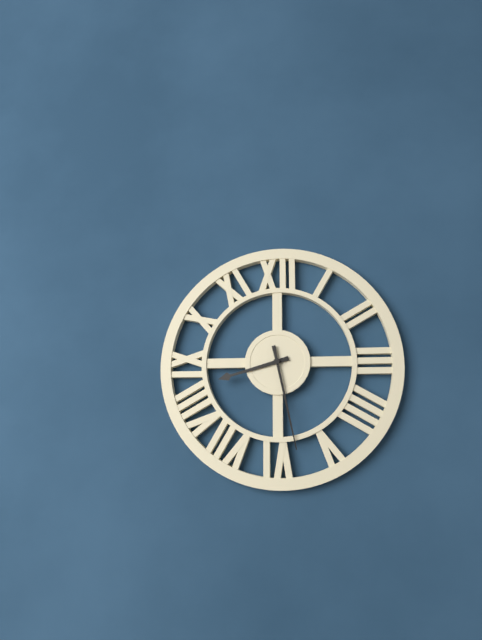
h=8 m=28
